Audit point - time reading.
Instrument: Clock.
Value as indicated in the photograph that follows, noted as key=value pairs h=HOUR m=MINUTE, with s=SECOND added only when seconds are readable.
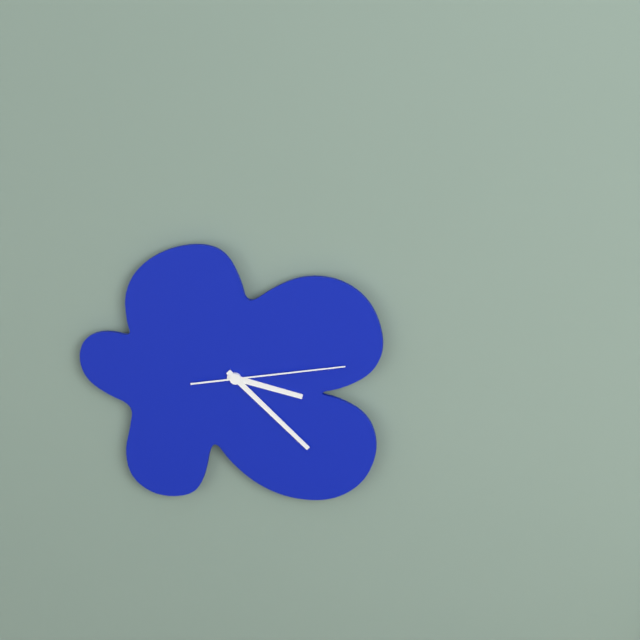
h=3 m=22 s=13
